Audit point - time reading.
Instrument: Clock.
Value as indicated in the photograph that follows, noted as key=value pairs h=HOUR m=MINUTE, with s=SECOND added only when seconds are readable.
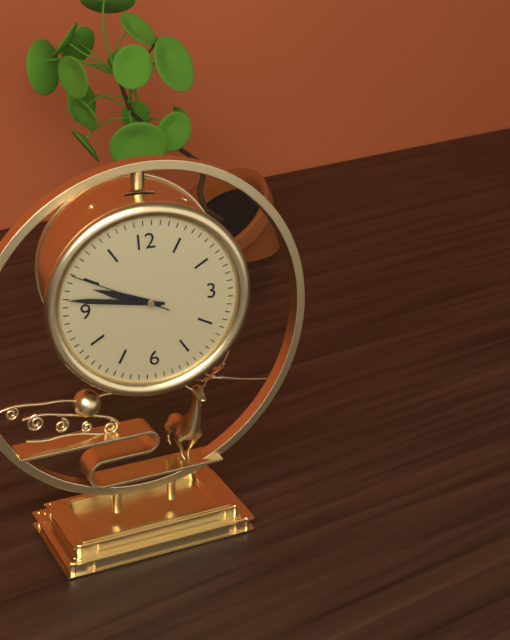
h=9 m=47 s=50
